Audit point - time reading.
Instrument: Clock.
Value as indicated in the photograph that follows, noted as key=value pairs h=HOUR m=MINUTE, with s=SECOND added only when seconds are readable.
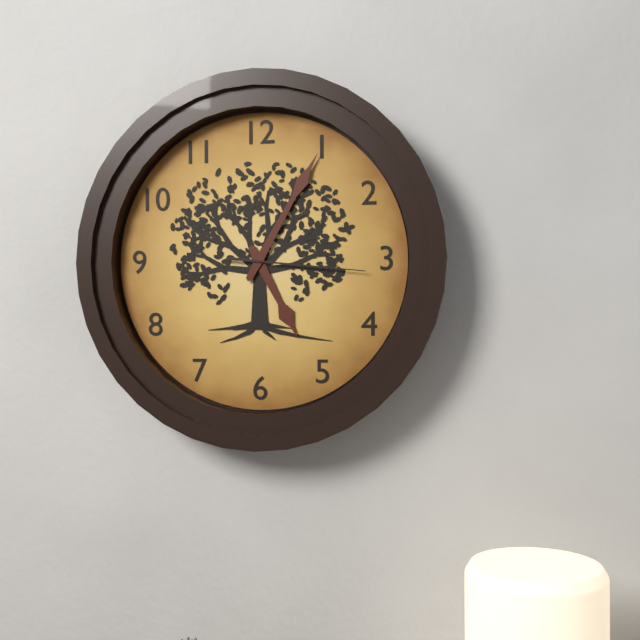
h=5 m=5 s=16
